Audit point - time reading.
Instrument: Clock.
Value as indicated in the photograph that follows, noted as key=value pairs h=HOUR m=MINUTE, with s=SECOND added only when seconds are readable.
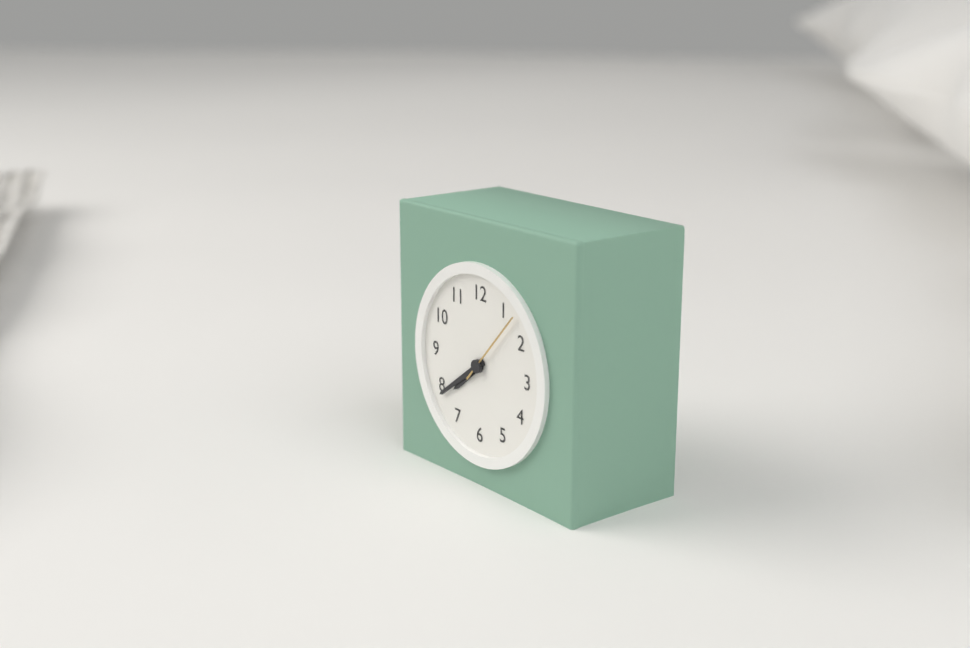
h=7 m=39 s=7
